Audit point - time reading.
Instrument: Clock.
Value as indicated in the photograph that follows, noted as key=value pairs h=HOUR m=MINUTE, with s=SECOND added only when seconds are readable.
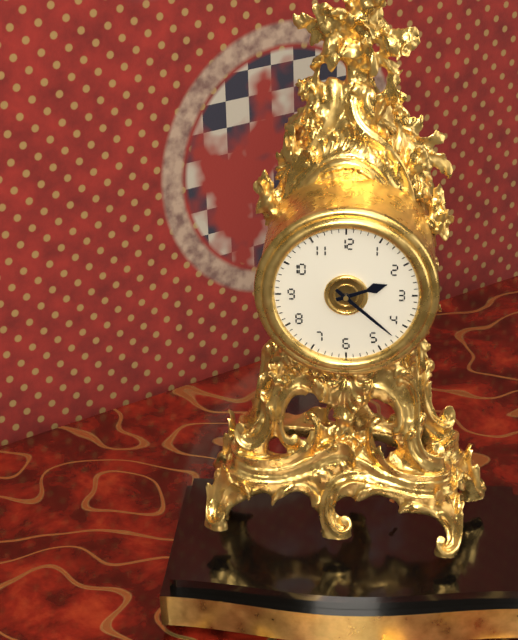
h=2 m=22
